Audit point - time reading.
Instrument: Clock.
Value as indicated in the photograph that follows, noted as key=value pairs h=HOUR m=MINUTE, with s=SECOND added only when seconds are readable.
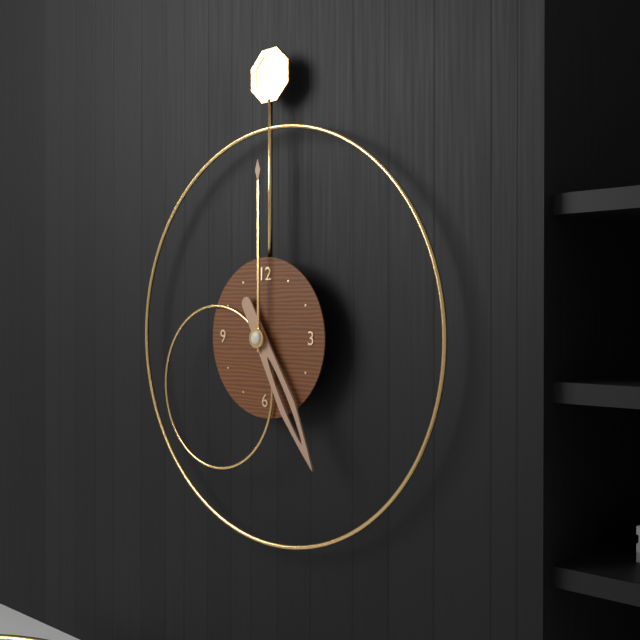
h=5 m=0
